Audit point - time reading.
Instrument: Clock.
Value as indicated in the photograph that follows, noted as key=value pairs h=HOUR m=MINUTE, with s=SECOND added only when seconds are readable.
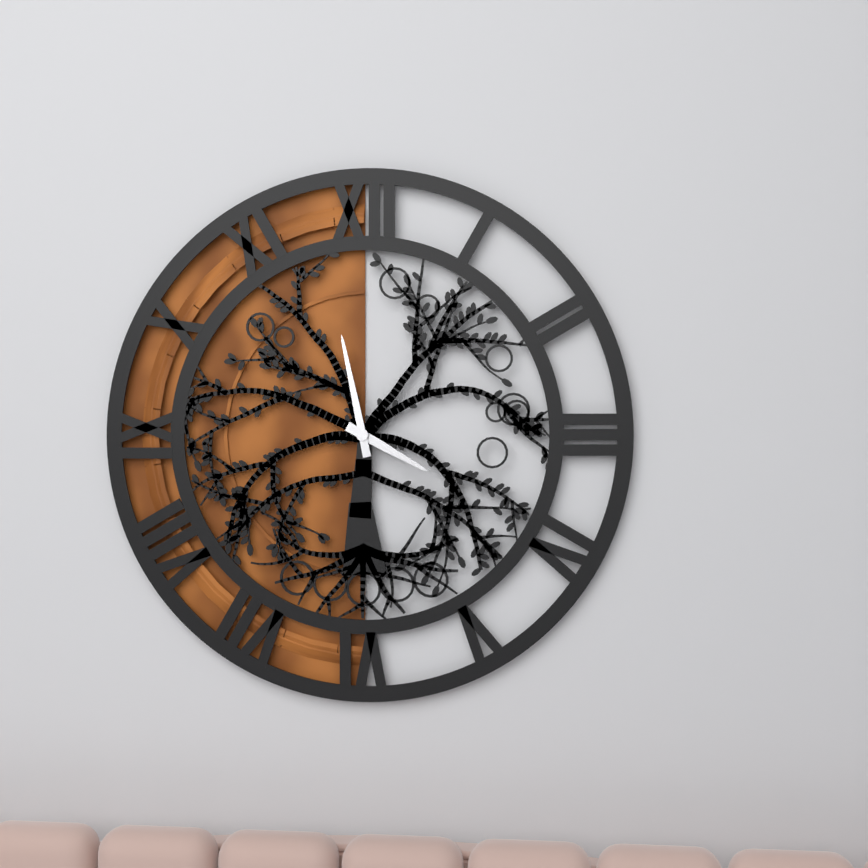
h=3 m=58
